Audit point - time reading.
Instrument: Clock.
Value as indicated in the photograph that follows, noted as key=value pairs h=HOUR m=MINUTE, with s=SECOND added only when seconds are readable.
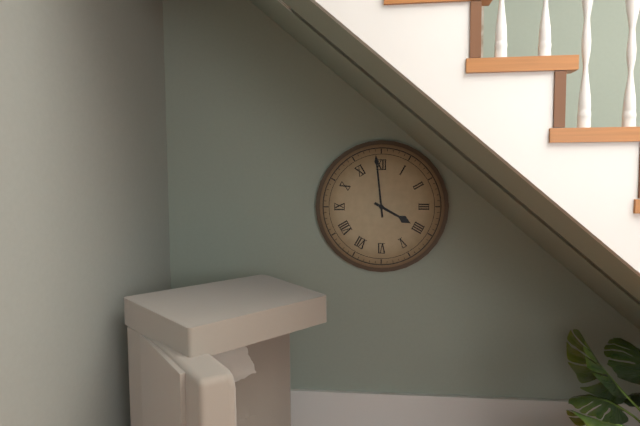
h=3 m=59
